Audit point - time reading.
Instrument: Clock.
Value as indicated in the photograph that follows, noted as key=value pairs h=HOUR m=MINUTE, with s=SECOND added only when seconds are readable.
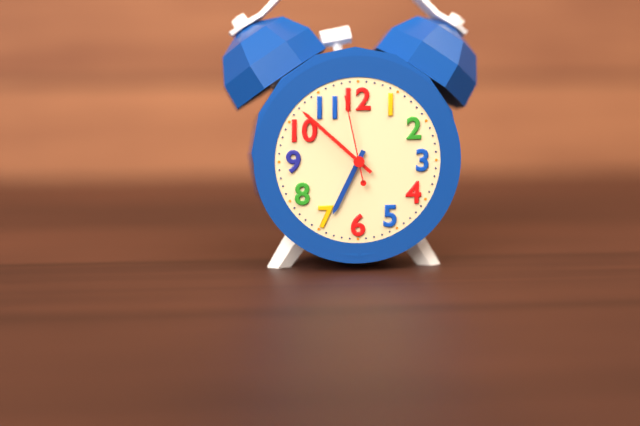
h=6 m=52 s=58
